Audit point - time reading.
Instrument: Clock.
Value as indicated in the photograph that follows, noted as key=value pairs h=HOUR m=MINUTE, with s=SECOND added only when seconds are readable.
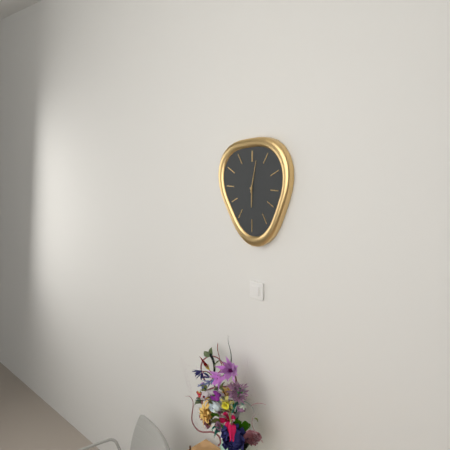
h=6 m=2
